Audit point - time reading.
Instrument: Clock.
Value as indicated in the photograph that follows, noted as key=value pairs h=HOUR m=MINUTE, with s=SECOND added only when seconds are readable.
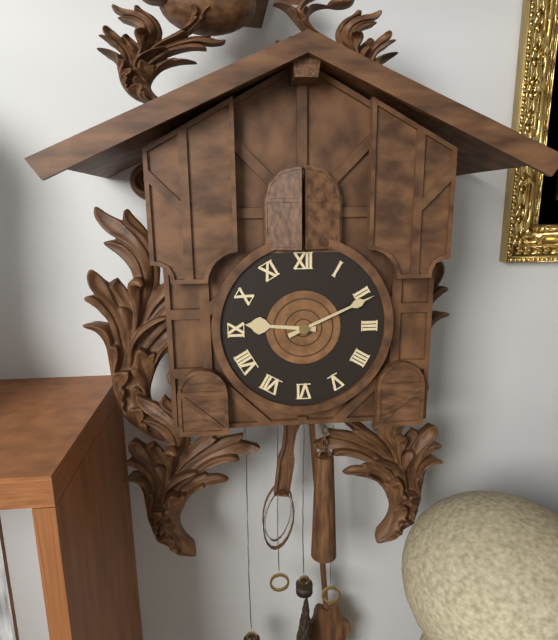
h=9 m=11
